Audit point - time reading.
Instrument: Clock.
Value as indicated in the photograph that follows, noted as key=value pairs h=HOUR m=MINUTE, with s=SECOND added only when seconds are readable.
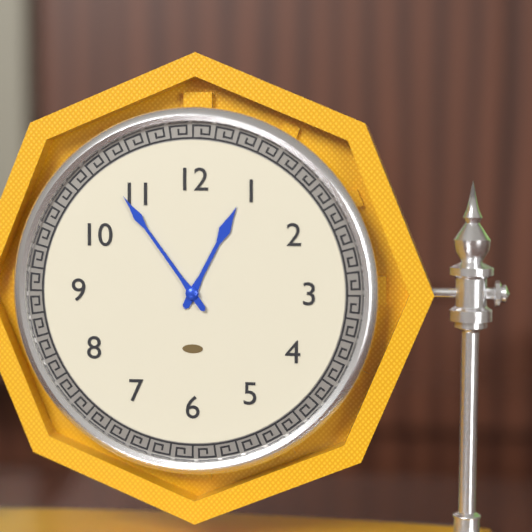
h=12 m=54
